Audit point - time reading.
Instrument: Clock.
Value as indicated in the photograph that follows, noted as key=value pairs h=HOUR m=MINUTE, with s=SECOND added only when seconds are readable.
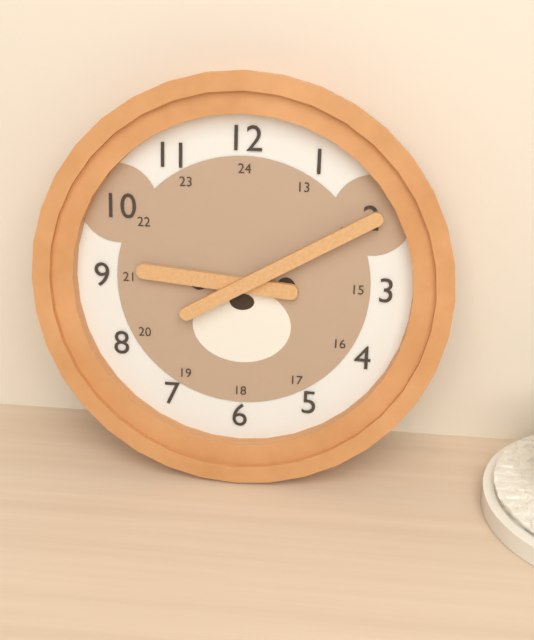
h=9 m=10
